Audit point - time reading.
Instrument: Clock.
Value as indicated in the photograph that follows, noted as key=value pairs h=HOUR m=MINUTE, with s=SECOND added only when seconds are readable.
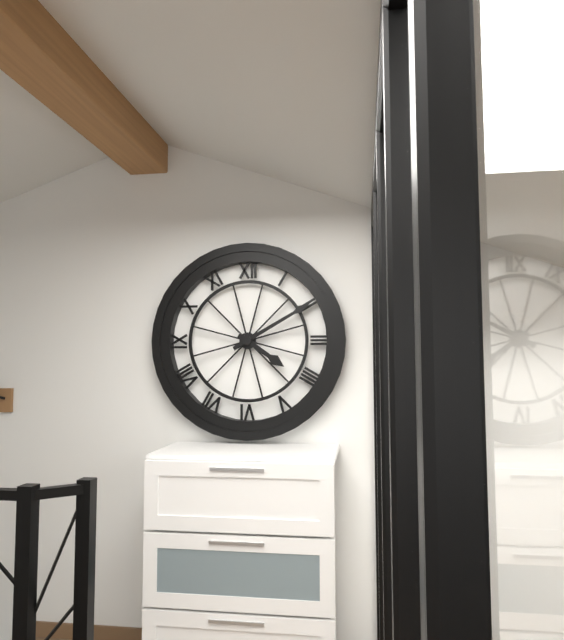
h=4 m=10
